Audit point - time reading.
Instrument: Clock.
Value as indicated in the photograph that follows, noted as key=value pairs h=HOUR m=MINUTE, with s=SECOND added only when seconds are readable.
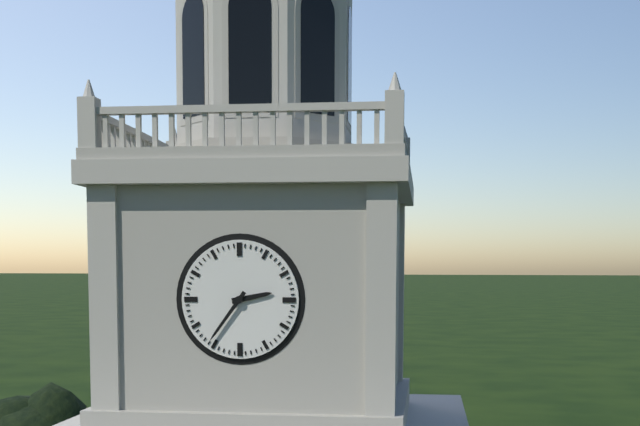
h=2 m=36
